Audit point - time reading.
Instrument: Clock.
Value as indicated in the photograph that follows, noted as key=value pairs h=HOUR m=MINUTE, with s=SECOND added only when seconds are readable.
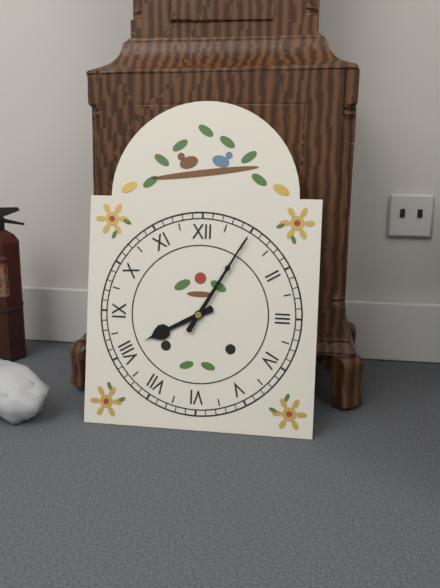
h=8 m=5
